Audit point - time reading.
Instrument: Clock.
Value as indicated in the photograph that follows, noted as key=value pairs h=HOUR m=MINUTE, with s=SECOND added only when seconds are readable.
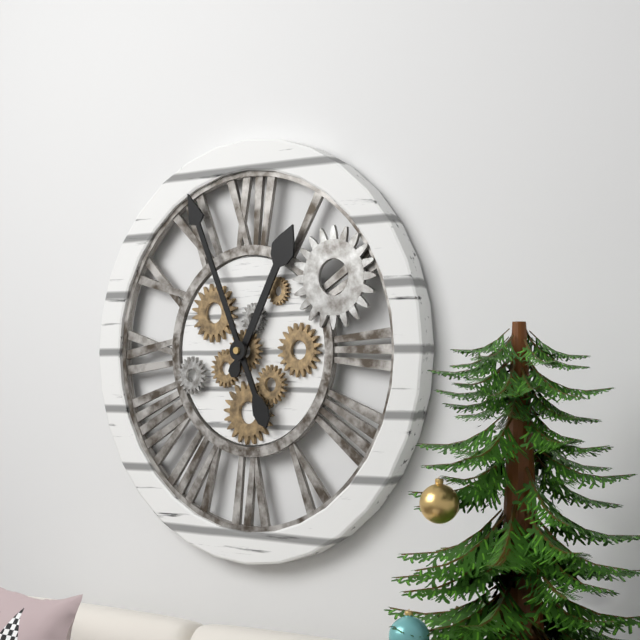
h=12 m=56
